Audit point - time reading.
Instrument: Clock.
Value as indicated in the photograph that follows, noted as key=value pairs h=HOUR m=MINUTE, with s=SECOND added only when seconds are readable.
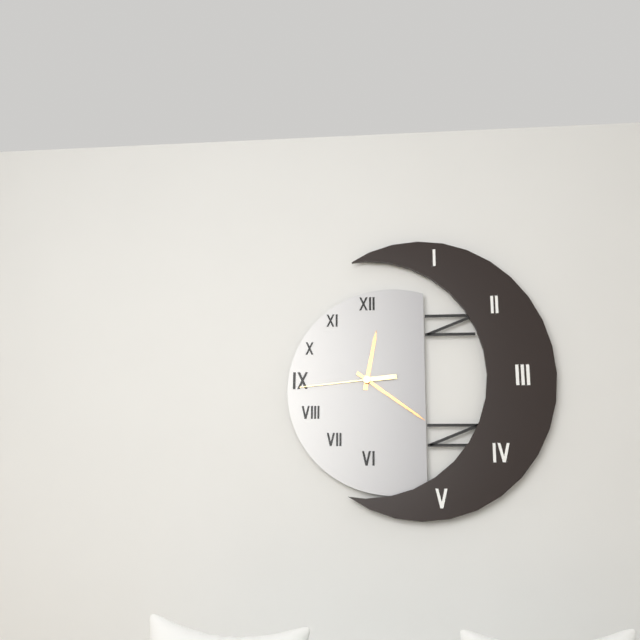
h=12 m=21 s=44
